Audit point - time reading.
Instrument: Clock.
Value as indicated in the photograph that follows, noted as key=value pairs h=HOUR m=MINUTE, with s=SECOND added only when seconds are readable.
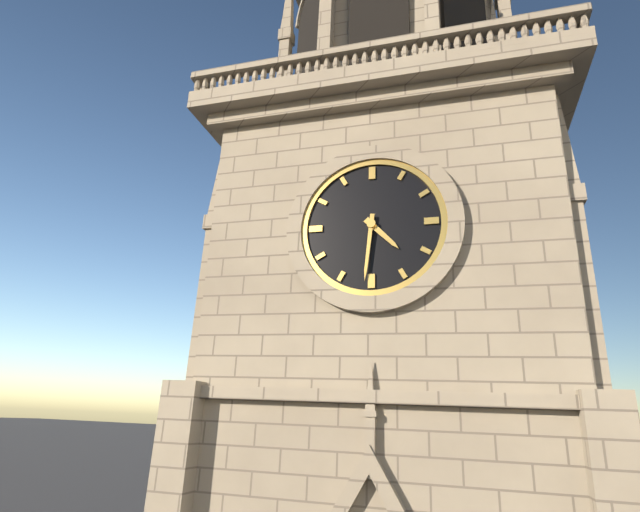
h=4 m=31
